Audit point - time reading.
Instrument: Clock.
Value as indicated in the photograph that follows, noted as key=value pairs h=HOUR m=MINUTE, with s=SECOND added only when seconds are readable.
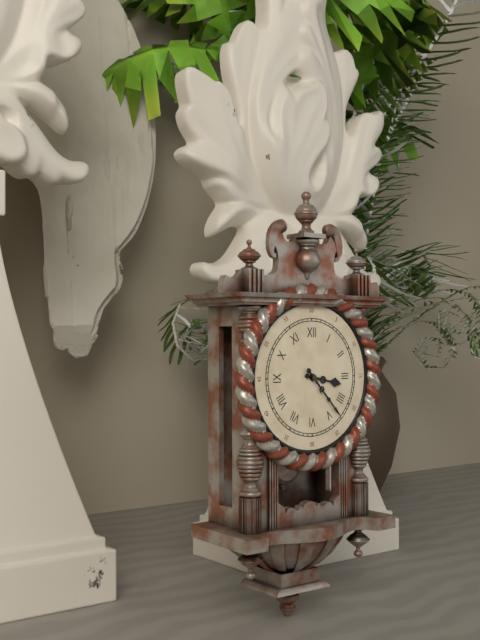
h=3 m=23
